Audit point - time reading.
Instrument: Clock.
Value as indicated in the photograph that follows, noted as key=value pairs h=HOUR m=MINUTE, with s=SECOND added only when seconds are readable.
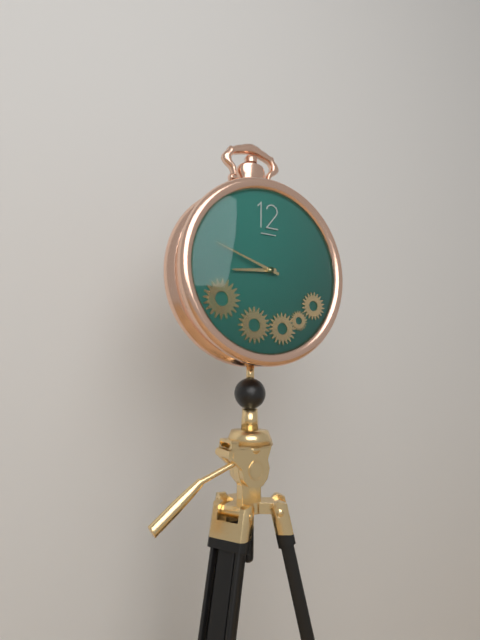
h=8 m=48
